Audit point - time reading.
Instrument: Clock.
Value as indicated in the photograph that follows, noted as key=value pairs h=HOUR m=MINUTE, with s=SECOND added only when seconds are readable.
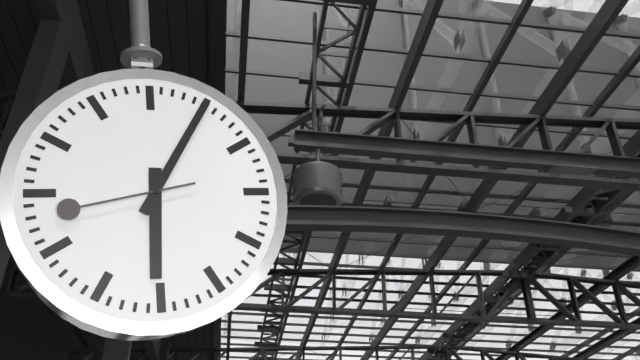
h=6 m=5 s=43
